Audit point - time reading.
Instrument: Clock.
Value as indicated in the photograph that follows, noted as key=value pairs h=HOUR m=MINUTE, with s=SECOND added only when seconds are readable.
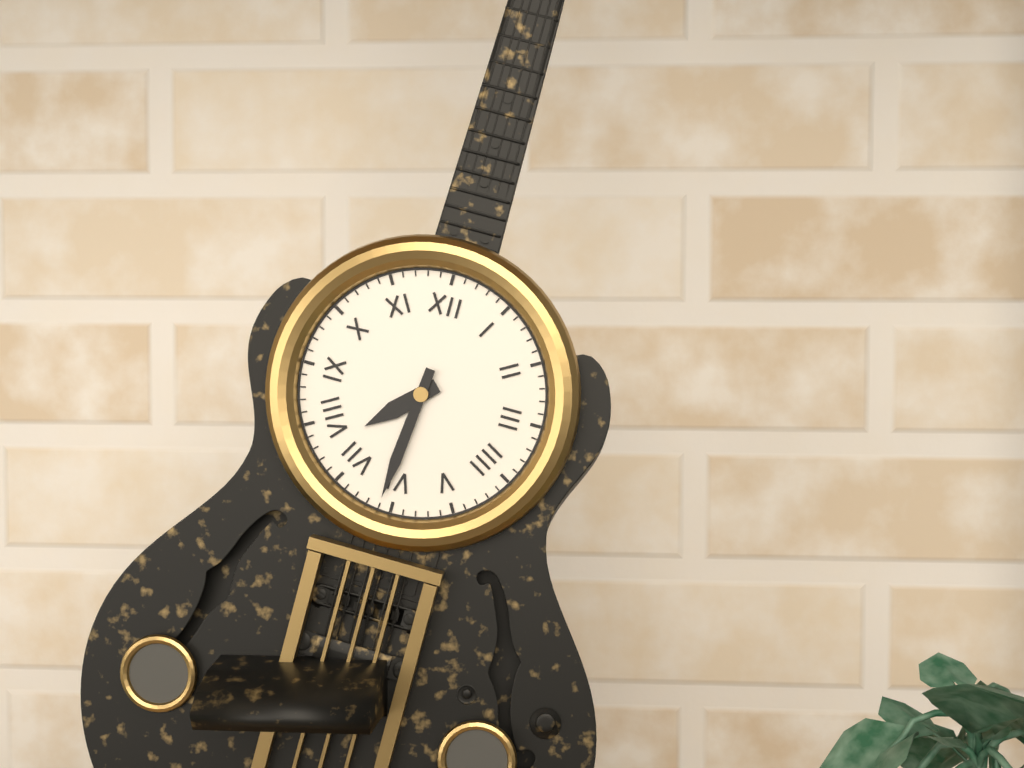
h=7 m=31
